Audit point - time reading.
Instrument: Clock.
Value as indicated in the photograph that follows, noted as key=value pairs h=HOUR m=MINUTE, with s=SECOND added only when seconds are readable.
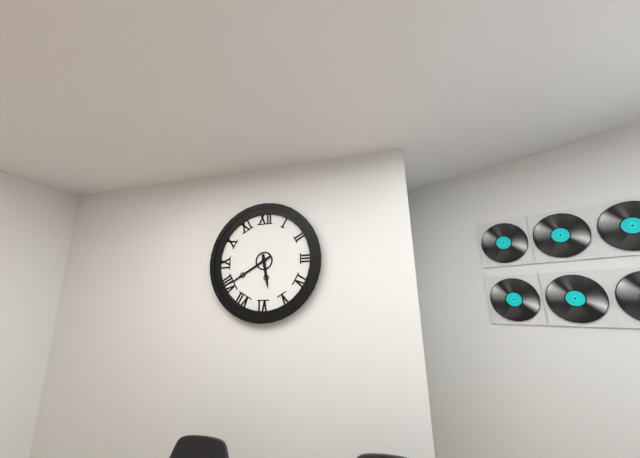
h=5 m=40
